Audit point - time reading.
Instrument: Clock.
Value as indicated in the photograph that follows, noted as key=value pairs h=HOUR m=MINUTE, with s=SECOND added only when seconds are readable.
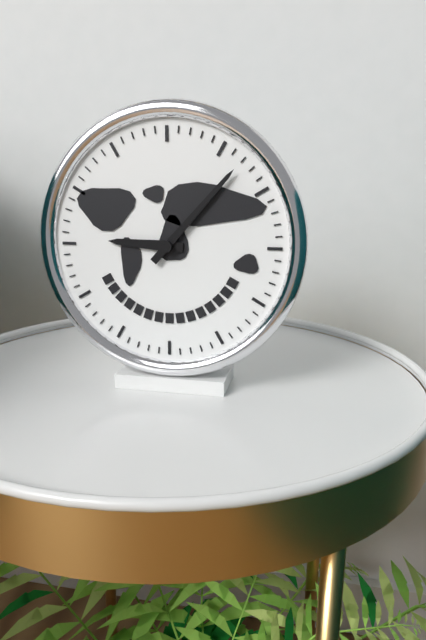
h=9 m=7
